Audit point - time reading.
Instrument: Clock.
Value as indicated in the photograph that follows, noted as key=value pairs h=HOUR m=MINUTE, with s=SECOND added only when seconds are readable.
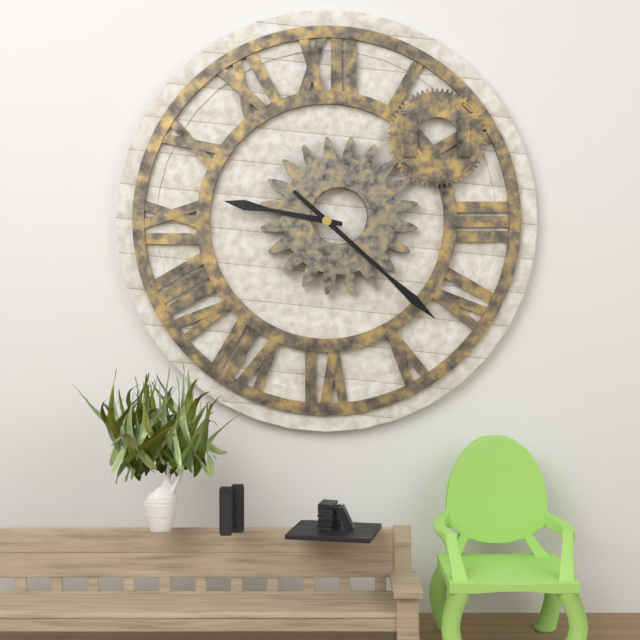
h=9 m=22
